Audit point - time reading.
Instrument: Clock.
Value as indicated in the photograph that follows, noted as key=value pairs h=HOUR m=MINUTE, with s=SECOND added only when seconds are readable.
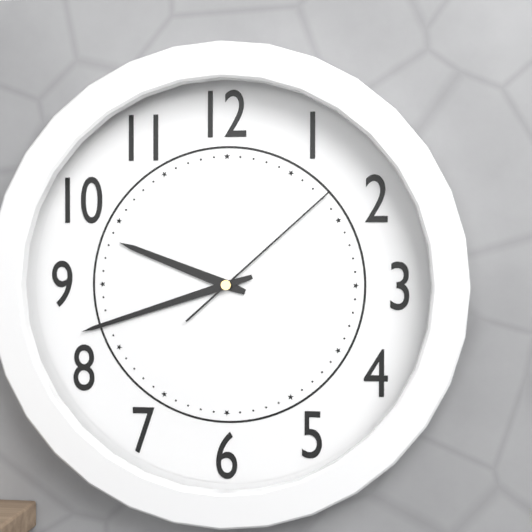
h=9 m=42 s=8
